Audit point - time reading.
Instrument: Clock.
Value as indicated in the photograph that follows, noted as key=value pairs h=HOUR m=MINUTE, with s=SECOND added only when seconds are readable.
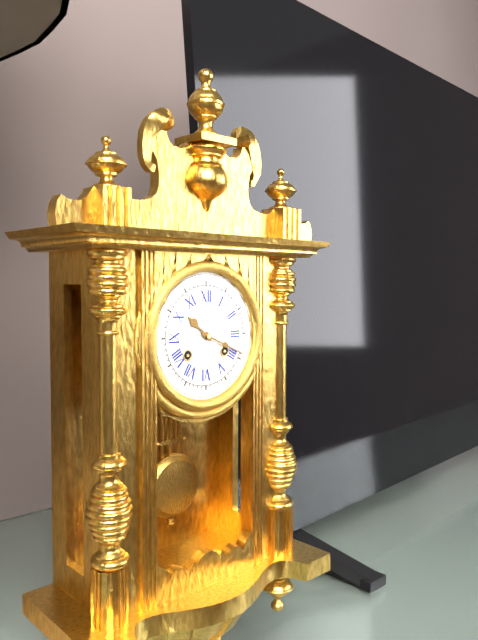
h=10 m=19
